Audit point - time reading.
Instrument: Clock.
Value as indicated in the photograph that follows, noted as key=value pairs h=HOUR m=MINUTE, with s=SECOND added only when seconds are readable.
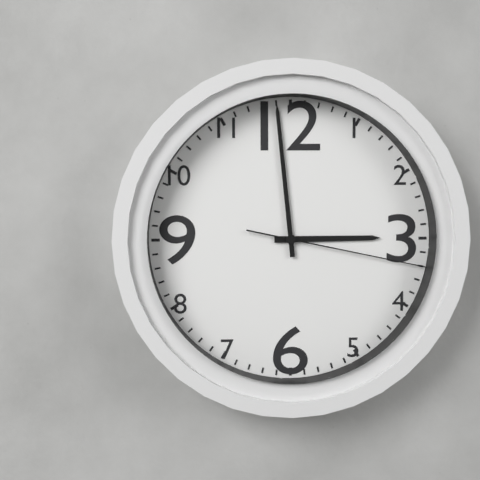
h=2 m=59 s=17
